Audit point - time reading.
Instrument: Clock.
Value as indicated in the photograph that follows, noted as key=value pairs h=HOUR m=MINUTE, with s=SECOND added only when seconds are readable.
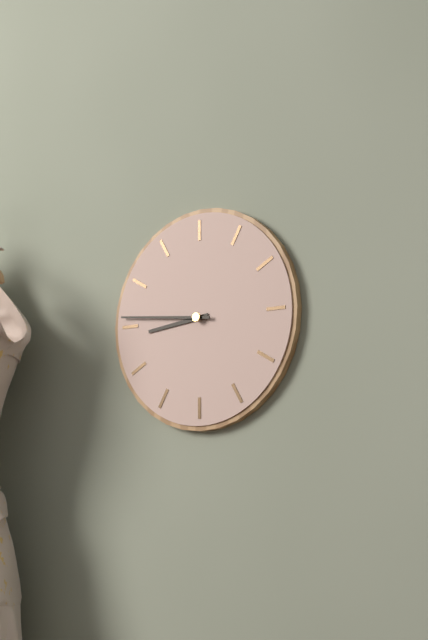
h=8 m=46
